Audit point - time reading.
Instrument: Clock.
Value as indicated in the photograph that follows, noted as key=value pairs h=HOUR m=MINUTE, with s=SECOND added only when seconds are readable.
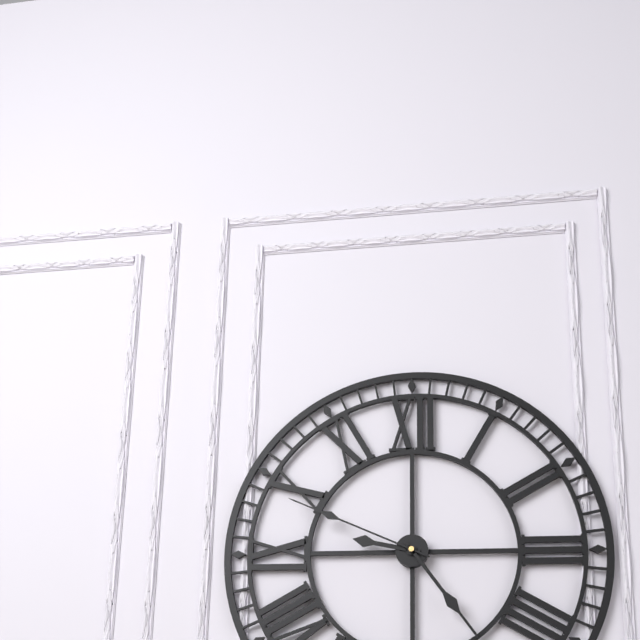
h=9 m=24 s=49
